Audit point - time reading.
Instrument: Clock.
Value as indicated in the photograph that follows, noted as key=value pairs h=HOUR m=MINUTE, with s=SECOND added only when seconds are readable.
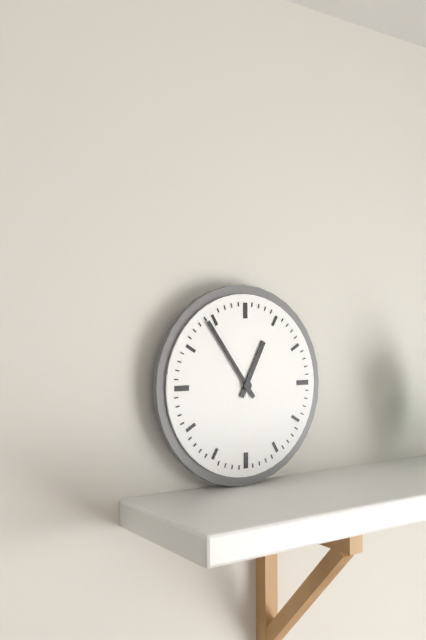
h=12 m=54
